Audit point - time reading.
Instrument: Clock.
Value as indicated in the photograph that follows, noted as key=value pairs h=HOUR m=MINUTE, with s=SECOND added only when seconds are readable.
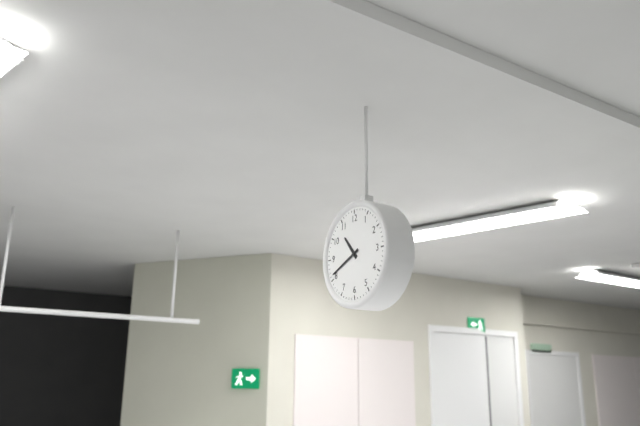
h=10 m=41
